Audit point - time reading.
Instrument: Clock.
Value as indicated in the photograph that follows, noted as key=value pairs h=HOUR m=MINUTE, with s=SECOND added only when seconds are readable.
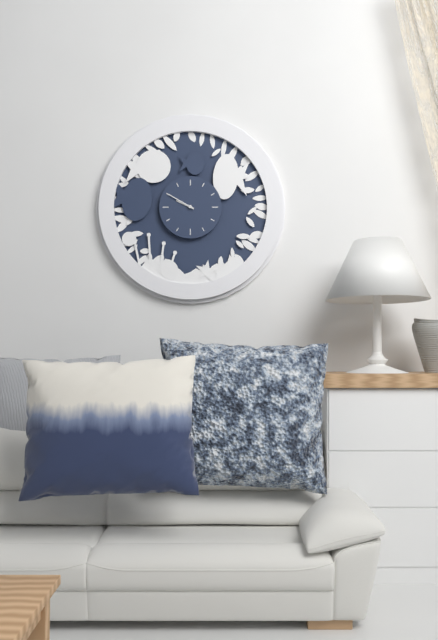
h=9 m=50
